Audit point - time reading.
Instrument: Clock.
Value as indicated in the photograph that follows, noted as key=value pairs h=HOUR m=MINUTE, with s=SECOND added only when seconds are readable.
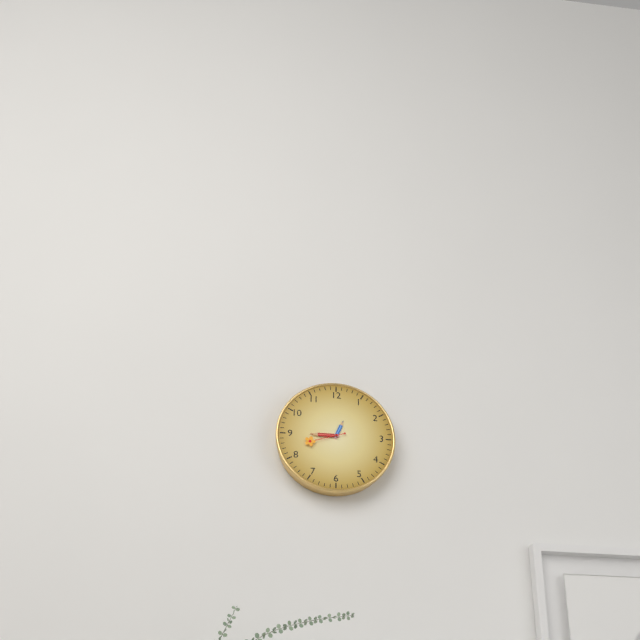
h=12 m=45
